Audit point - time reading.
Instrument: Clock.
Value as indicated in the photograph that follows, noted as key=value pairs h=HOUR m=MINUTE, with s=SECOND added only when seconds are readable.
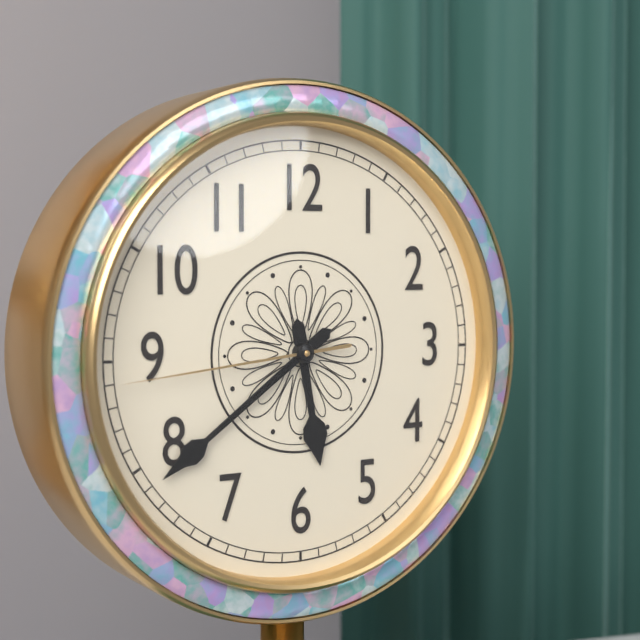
h=5 m=39 s=44
